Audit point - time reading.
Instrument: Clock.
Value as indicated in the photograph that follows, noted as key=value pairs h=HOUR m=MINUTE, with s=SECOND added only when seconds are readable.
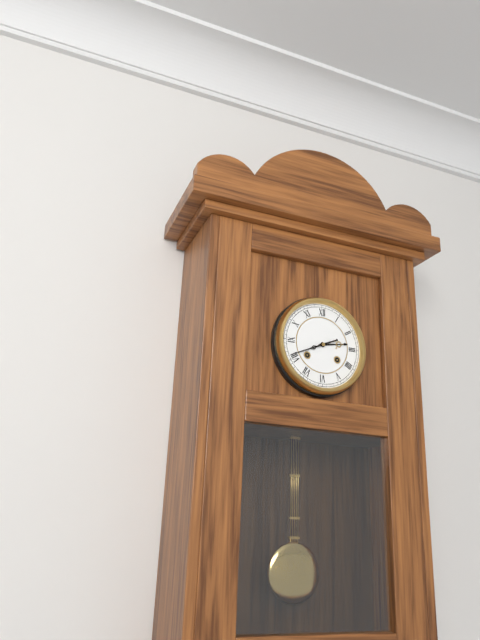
h=2 m=41
